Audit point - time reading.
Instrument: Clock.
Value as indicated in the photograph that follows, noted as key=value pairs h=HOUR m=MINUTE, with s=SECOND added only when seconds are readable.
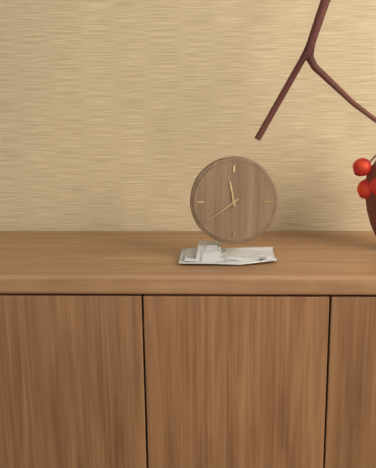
h=11 m=39
